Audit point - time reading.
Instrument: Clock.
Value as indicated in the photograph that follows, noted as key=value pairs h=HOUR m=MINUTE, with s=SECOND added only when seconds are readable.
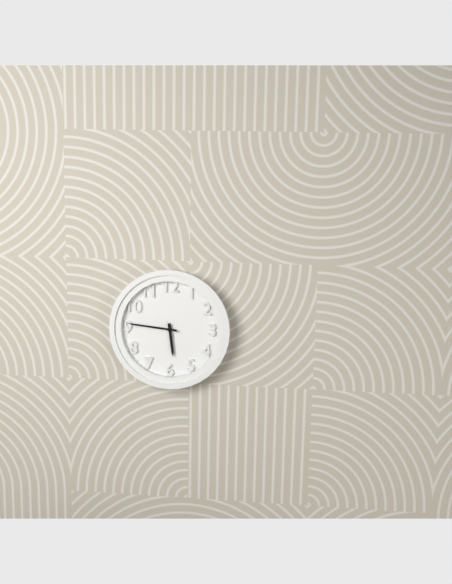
h=5 m=46
